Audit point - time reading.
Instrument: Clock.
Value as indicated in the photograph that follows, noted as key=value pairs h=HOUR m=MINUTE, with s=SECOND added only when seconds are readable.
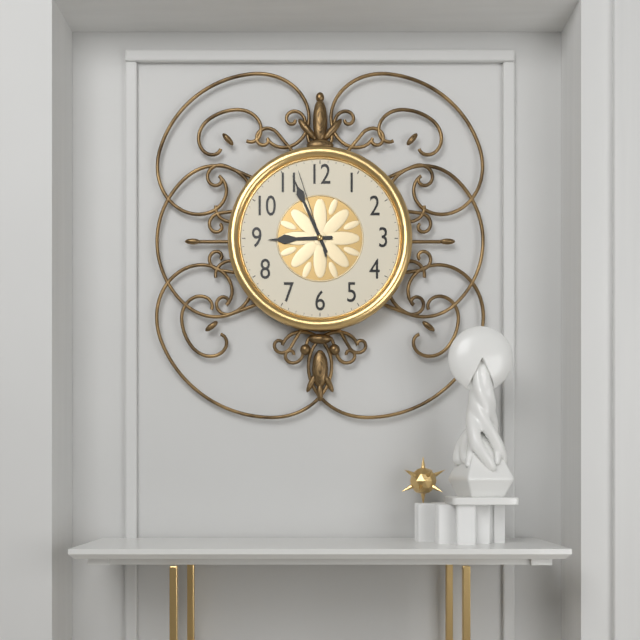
h=8 m=56 s=57
